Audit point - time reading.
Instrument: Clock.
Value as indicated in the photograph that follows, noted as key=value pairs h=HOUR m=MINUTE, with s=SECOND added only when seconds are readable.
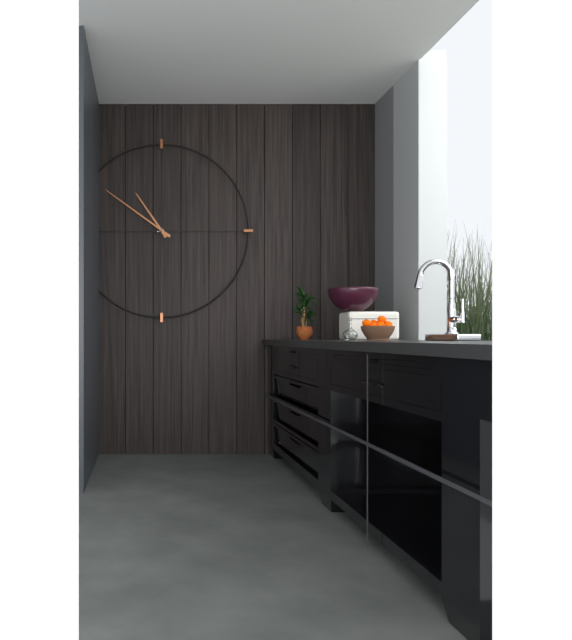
h=10 m=51
